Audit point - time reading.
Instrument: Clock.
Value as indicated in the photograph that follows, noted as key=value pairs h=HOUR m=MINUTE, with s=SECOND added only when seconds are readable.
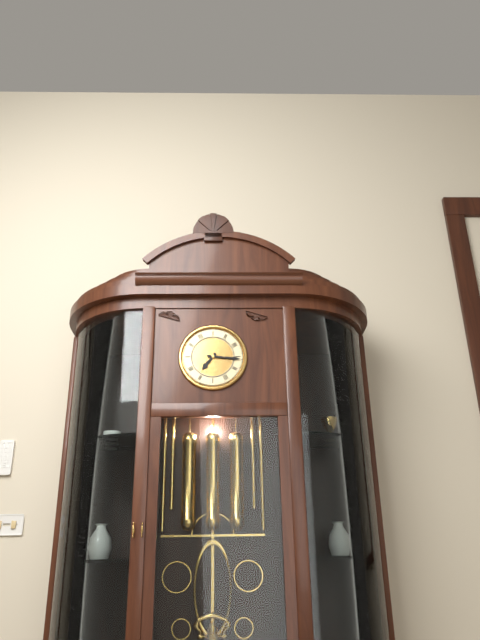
h=7 m=16
